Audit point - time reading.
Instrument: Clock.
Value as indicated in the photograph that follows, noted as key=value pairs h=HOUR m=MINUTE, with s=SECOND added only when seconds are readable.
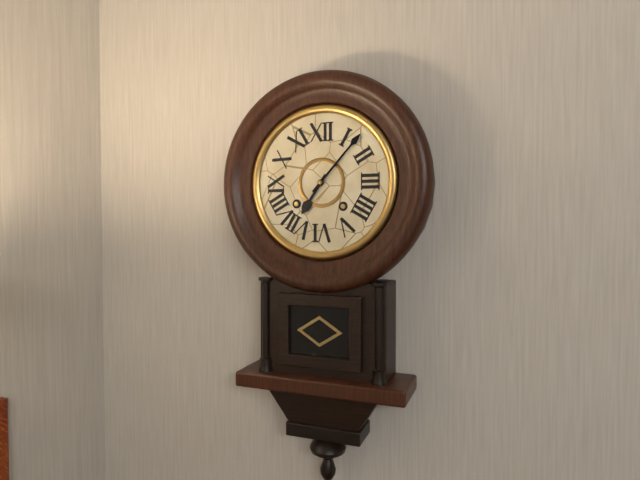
h=7 m=7
